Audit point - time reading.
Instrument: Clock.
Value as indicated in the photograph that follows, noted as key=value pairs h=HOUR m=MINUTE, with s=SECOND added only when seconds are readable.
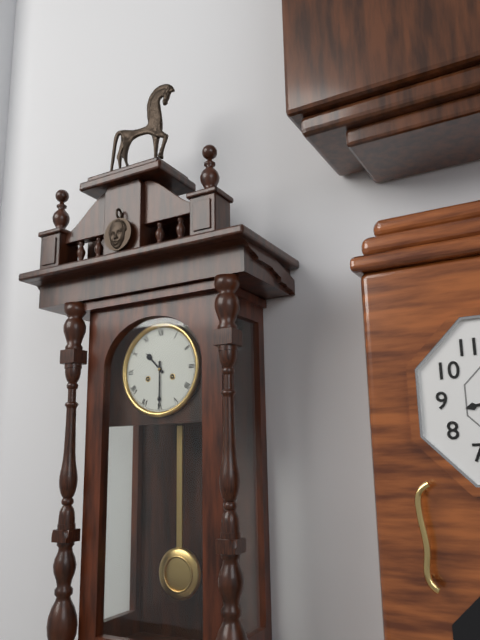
h=10 m=30
